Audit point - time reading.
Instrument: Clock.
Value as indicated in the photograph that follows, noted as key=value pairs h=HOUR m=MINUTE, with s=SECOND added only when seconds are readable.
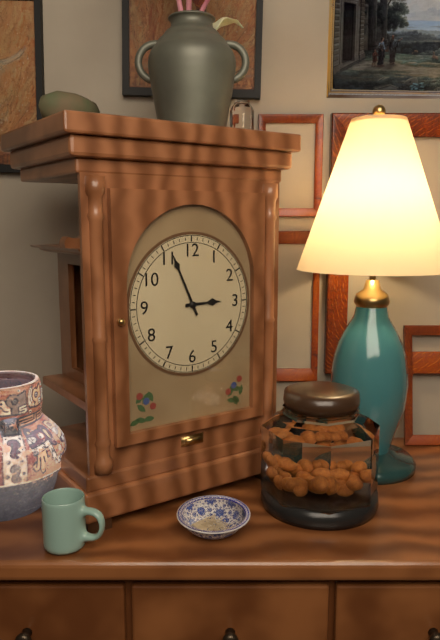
h=2 m=56
